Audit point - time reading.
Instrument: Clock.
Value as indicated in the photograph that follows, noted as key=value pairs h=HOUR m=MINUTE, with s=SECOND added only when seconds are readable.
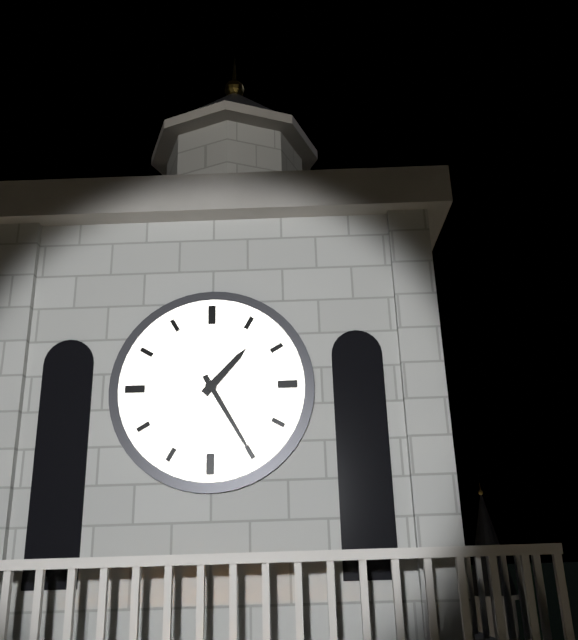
h=1 m=25
